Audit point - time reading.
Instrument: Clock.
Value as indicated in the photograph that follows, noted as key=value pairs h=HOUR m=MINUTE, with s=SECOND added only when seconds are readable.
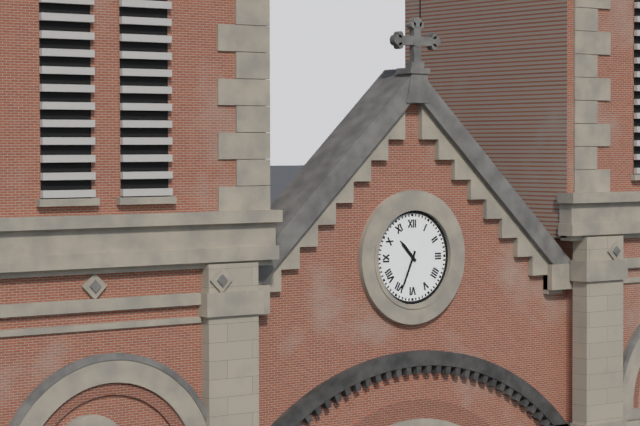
h=10 m=34
